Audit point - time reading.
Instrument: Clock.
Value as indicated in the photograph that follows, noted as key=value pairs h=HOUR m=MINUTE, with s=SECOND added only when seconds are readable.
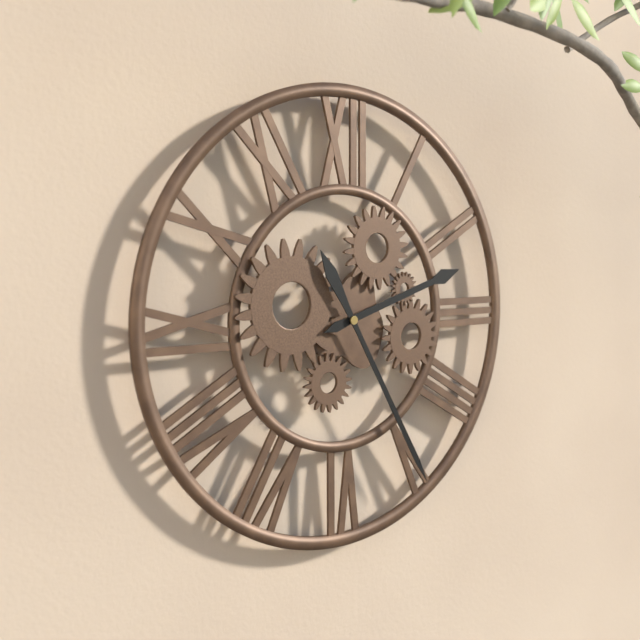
h=2 m=25
